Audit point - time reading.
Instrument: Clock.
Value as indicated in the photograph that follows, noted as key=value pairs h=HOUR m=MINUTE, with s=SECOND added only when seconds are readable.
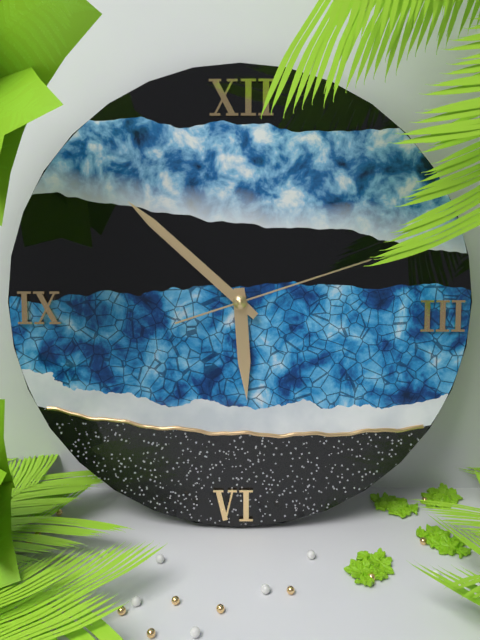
h=5 m=52 s=12
